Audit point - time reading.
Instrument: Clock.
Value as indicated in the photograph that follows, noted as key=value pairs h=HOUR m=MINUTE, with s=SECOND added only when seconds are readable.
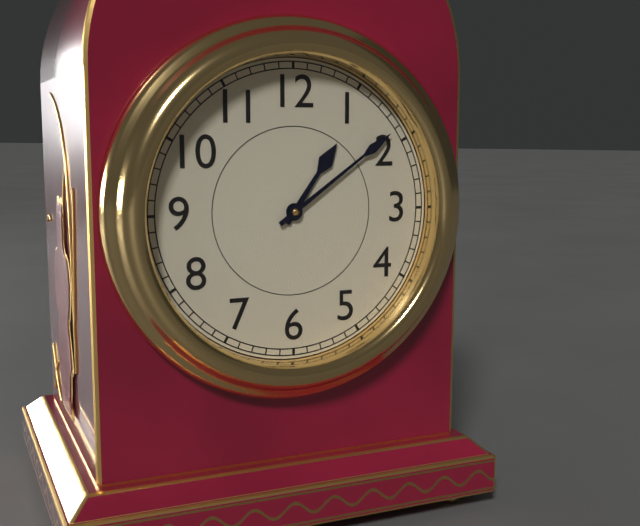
h=1 m=9
